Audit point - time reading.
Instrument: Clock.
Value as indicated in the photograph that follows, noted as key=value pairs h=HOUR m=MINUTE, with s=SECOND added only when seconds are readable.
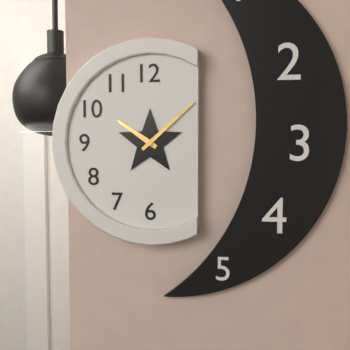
h=10 m=8
